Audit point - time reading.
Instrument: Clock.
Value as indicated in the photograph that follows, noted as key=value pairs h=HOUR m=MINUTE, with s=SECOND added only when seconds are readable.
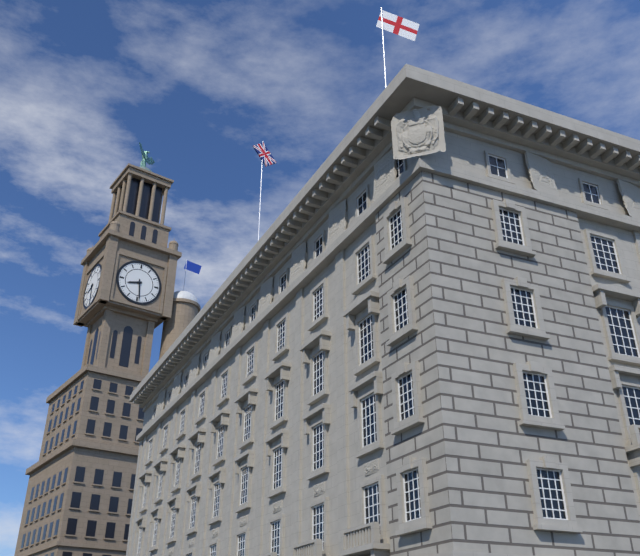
h=8 m=29
